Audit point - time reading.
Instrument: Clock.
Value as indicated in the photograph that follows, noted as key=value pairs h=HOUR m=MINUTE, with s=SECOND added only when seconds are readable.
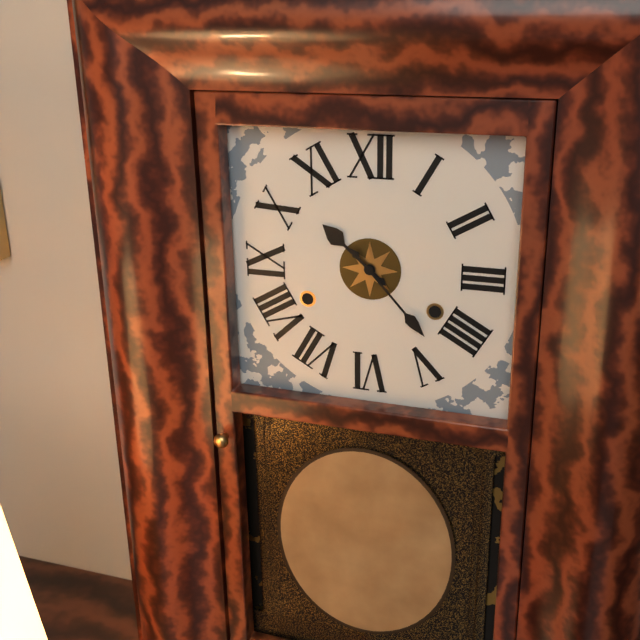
h=10 m=23
